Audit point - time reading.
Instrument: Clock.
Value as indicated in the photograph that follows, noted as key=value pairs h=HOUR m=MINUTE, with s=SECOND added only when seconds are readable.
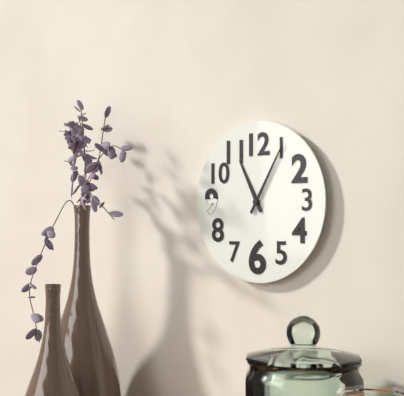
h=11 m=5
